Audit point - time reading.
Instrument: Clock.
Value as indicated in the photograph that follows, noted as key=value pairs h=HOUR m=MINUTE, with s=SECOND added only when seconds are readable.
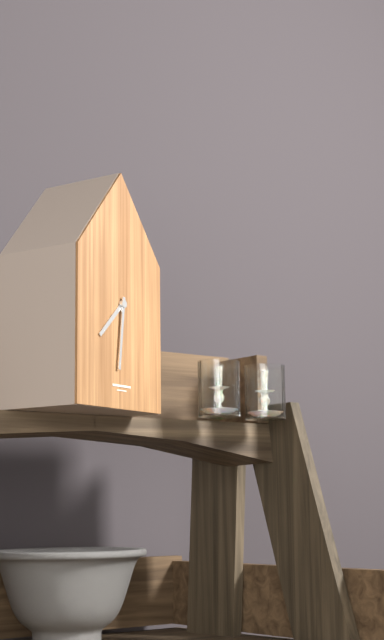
h=7 m=31
